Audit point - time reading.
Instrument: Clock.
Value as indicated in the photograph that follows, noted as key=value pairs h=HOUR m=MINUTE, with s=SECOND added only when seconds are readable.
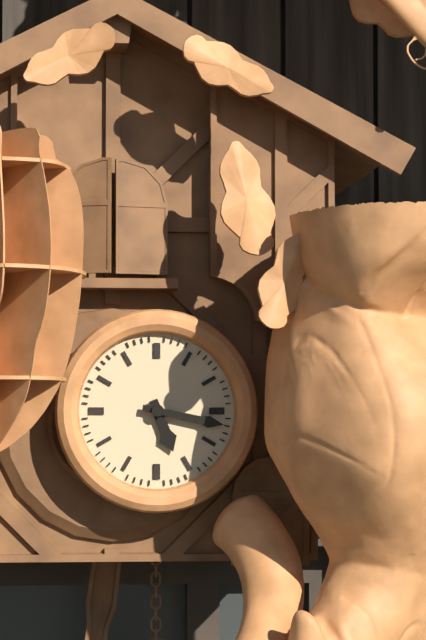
h=5 m=17
